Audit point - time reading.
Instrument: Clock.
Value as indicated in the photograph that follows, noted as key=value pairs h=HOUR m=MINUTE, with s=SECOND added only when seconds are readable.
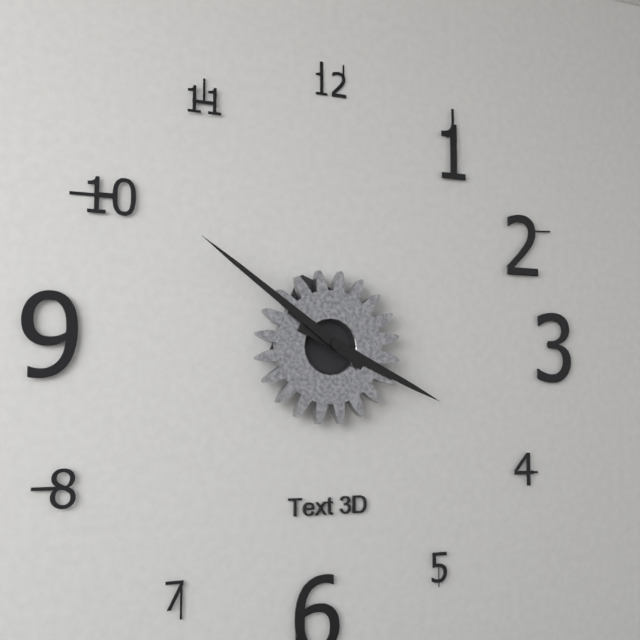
h=3 m=51
